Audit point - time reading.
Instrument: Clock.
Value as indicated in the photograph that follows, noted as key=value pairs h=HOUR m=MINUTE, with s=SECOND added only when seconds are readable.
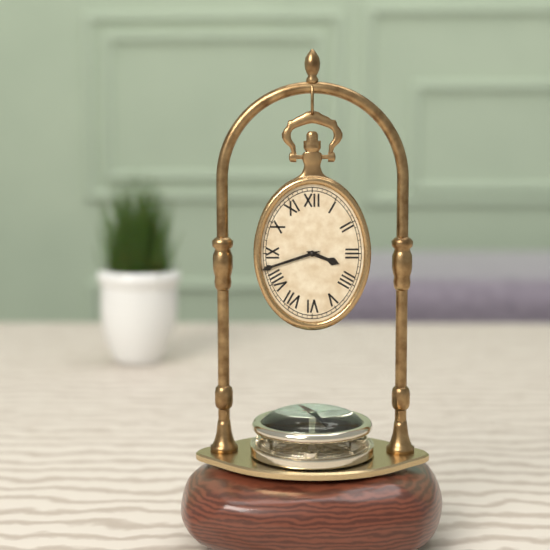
h=3 m=42
